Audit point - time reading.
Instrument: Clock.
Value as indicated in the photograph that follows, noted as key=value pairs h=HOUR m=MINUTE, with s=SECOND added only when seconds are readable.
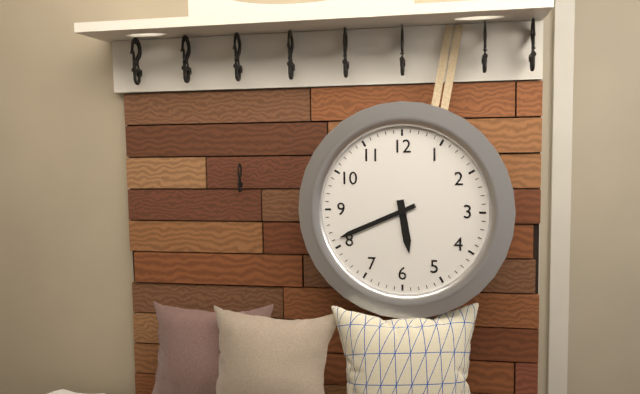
h=5 m=41
